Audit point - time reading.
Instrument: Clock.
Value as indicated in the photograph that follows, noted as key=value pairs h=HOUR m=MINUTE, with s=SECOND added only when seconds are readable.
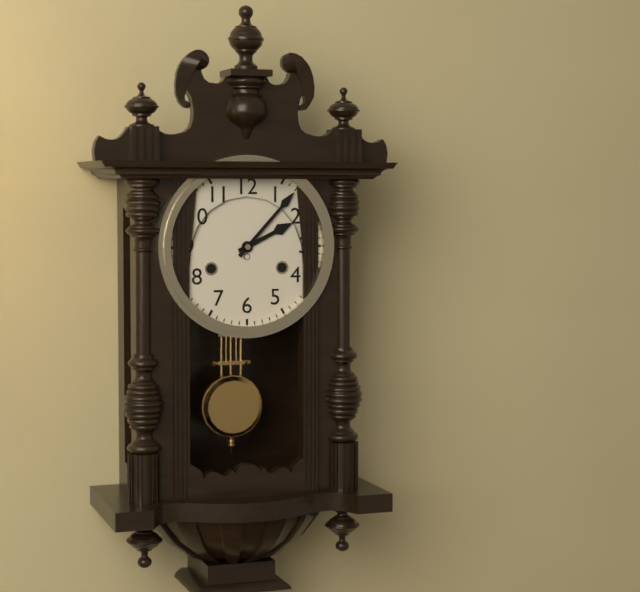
h=2 m=7
